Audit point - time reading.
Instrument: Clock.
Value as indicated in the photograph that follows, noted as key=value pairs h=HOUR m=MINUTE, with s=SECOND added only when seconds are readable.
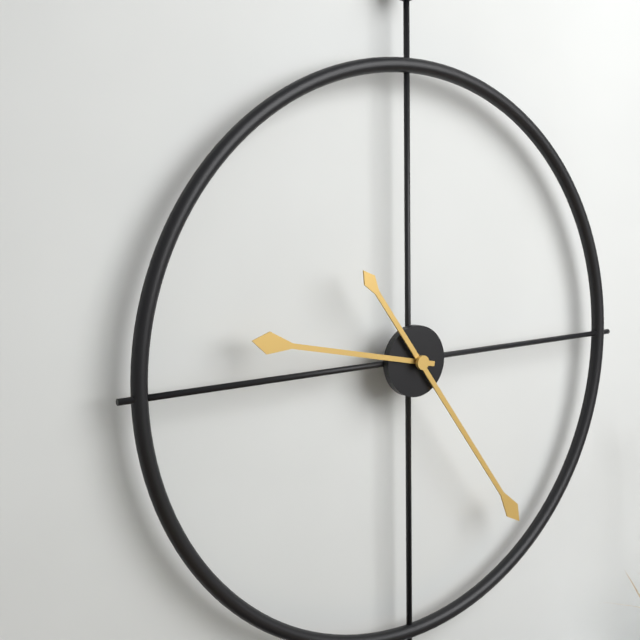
h=9 m=24
